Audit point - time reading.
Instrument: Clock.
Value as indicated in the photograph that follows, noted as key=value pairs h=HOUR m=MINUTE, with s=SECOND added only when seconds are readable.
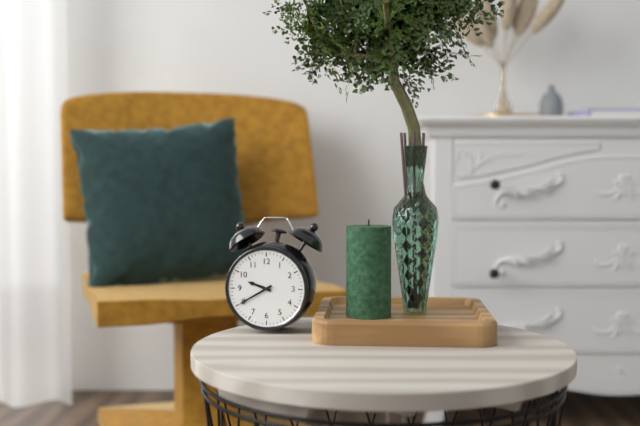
h=9 m=40
